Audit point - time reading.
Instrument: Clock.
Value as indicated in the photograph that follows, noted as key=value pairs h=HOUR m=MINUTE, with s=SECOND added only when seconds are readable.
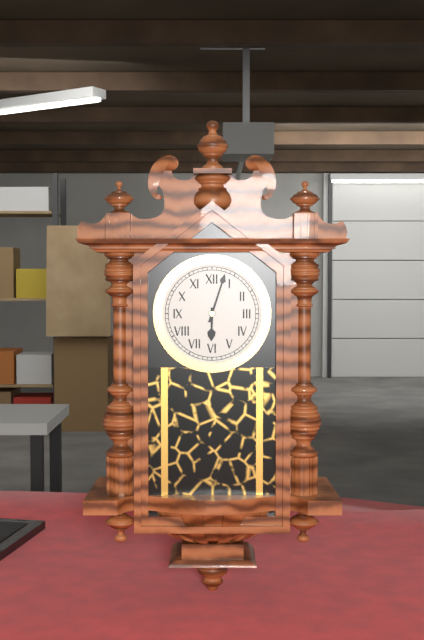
h=6 m=3
